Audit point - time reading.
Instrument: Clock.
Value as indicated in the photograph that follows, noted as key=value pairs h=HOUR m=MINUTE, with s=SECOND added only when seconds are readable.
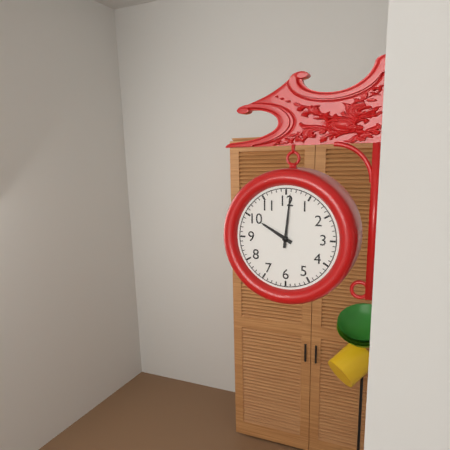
h=10 m=1
